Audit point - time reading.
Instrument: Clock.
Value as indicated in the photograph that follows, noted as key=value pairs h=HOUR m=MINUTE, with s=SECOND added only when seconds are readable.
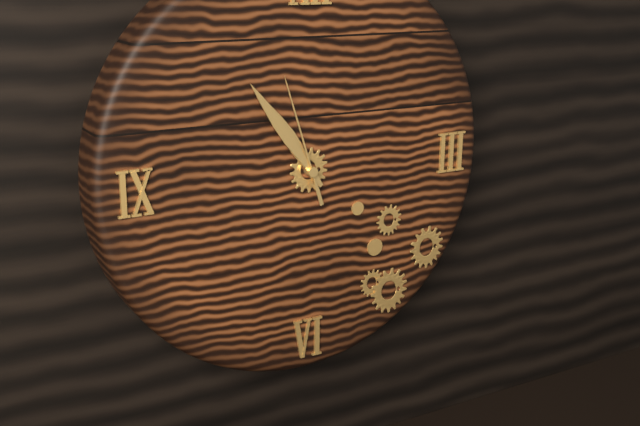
h=10 m=54 s=57
